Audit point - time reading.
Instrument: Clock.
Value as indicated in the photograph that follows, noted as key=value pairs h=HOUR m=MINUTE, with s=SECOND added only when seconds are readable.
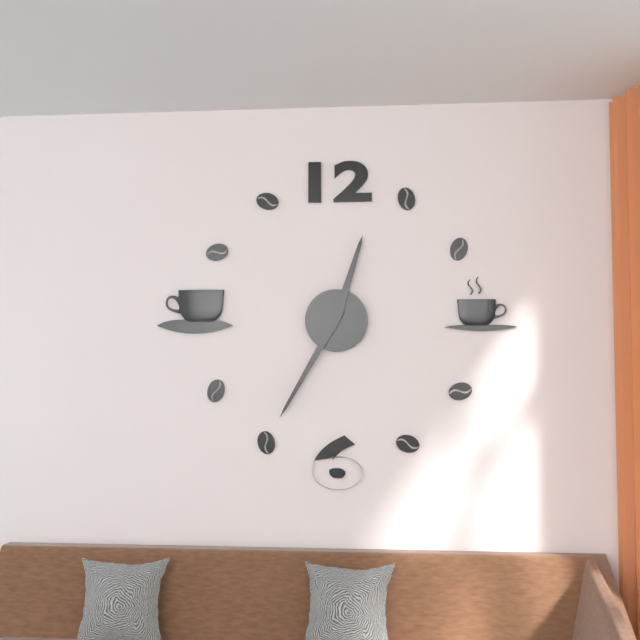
h=12 m=35
